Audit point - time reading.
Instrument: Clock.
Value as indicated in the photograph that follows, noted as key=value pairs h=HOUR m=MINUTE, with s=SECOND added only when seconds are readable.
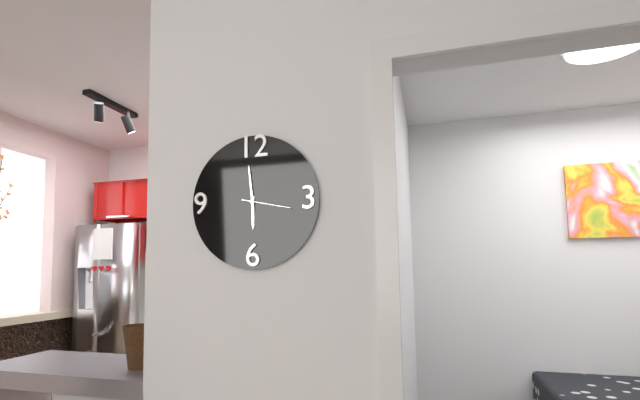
h=5 m=59
